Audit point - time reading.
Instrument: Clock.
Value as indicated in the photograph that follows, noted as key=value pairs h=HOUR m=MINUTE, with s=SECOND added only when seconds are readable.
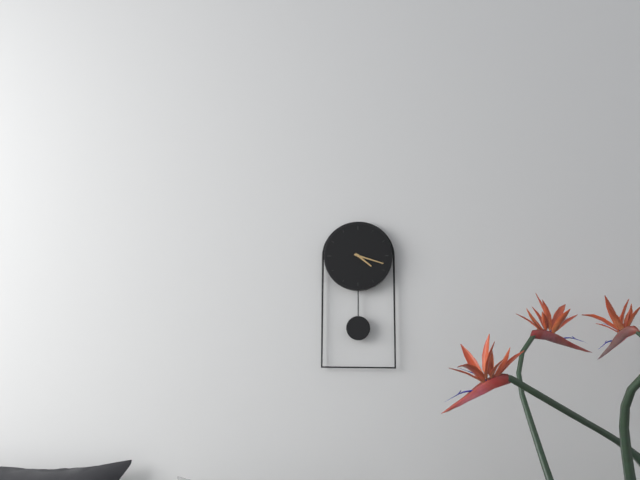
h=4 m=18
